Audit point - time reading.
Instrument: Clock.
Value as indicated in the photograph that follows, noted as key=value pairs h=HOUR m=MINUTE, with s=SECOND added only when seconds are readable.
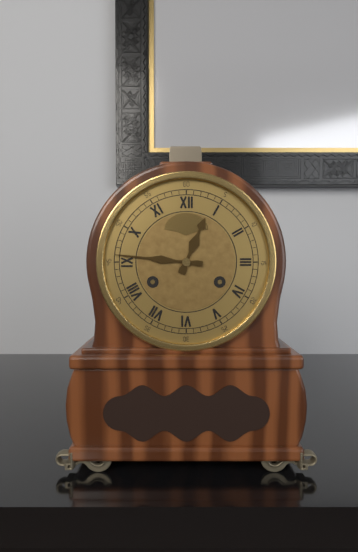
h=12 m=46
